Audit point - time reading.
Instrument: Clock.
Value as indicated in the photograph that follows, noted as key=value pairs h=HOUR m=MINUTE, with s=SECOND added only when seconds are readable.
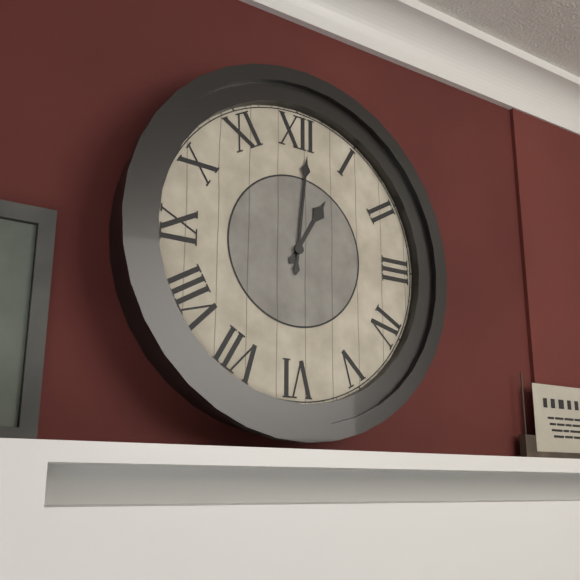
h=1 m=1
